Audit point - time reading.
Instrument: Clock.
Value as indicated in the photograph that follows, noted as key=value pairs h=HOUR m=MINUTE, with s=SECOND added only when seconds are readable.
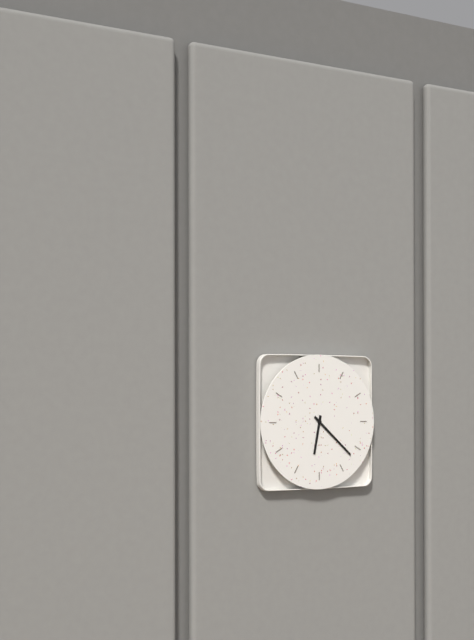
h=6 m=22
